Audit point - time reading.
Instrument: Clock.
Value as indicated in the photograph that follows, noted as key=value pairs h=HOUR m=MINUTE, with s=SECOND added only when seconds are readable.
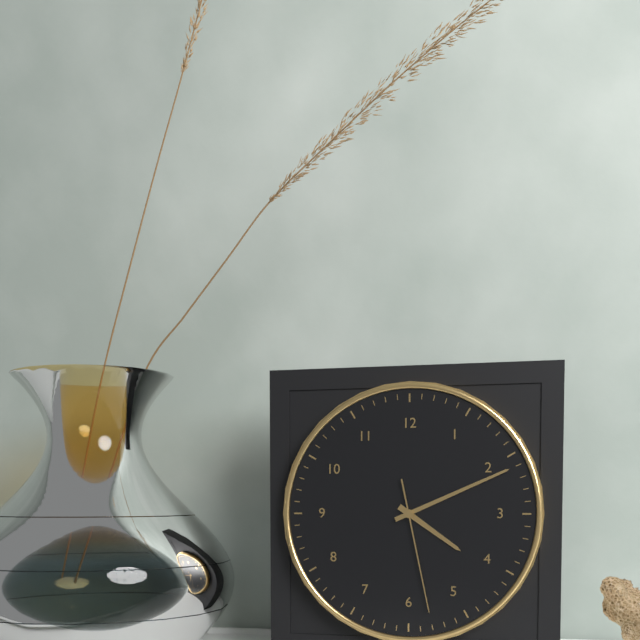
h=4 m=11 s=28
